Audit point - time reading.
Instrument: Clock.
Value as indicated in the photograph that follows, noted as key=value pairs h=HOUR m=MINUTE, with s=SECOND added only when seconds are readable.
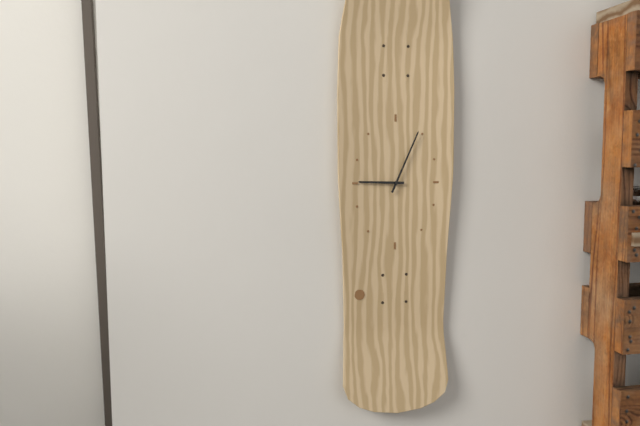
h=9 m=4
